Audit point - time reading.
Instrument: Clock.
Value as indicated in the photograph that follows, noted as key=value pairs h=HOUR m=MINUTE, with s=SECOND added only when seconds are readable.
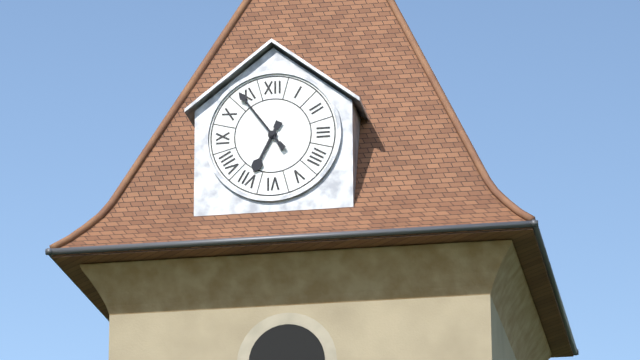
h=6 m=54
